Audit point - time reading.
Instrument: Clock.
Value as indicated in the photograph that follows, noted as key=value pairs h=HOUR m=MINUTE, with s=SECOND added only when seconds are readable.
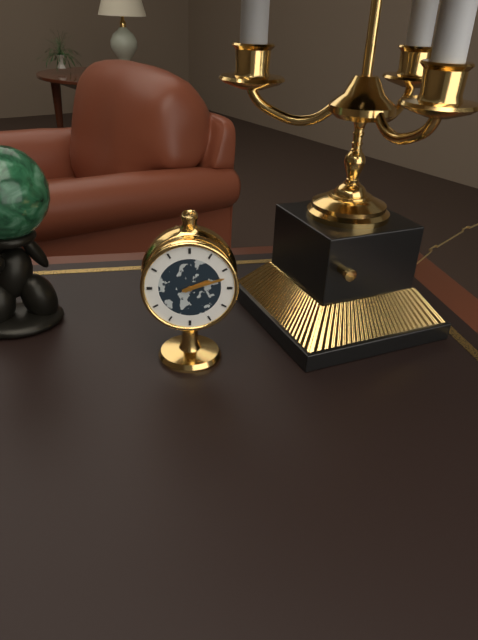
h=2 m=12
